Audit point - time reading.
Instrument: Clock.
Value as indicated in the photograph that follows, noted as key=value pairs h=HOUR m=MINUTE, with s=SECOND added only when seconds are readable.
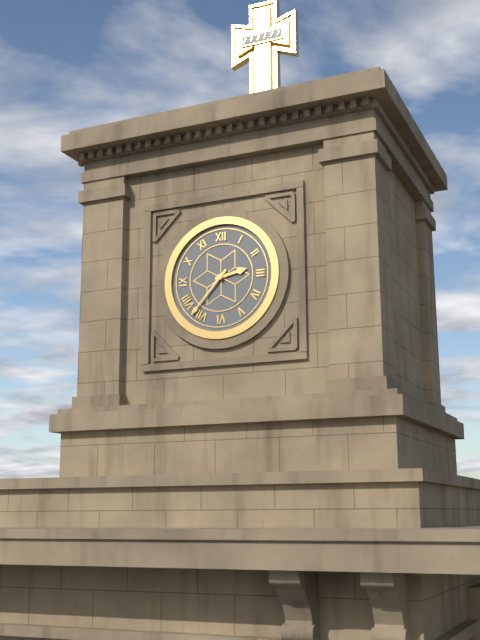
h=2 m=37
